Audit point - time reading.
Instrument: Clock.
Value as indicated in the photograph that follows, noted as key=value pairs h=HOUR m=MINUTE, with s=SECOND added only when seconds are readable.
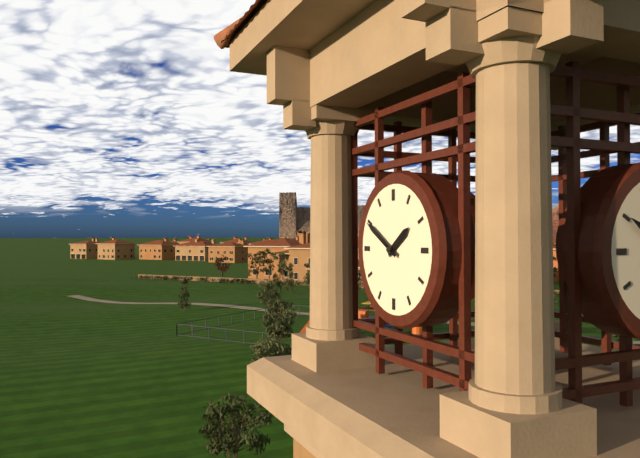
h=1 m=50
